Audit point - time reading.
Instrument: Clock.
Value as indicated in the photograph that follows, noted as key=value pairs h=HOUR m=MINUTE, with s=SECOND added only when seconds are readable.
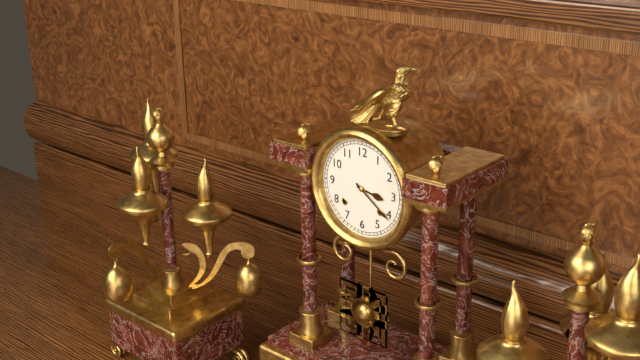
h=3 m=21
